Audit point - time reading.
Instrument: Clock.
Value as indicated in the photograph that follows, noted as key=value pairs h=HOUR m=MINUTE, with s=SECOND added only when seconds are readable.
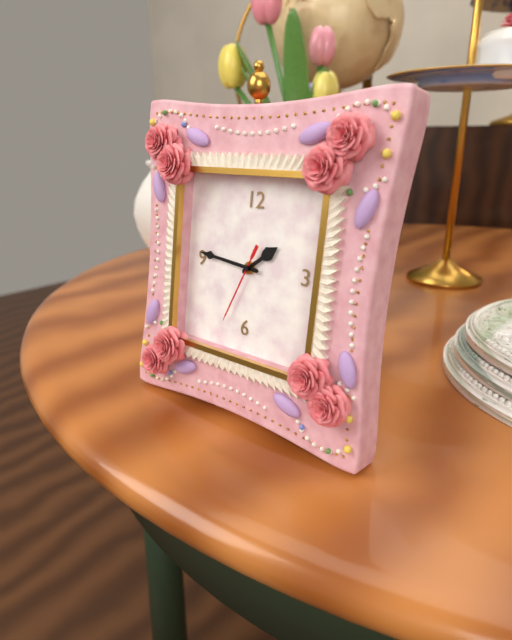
h=1 m=46 s=34
